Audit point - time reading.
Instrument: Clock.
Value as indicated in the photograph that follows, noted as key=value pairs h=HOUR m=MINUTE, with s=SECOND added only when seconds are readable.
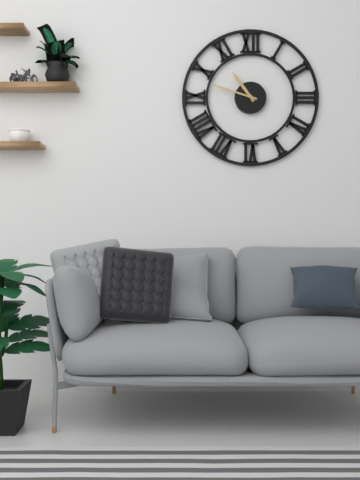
h=10 m=48
